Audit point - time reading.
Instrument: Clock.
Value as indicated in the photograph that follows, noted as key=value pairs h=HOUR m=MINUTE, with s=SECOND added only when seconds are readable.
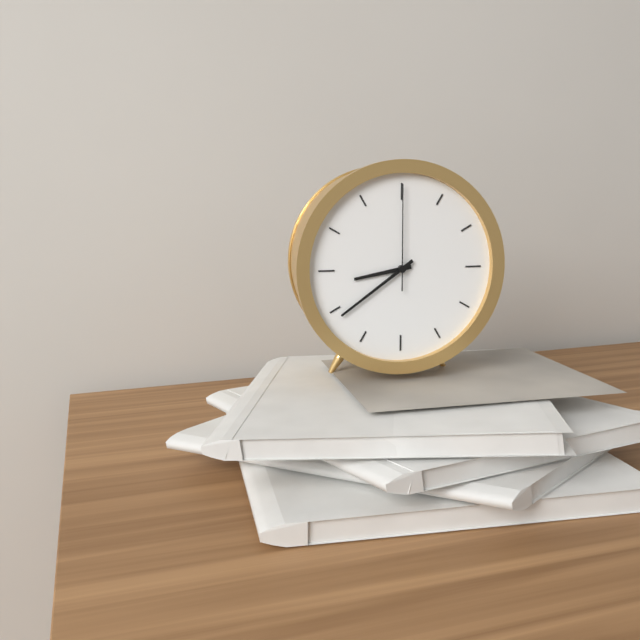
h=8 m=39 s=0
